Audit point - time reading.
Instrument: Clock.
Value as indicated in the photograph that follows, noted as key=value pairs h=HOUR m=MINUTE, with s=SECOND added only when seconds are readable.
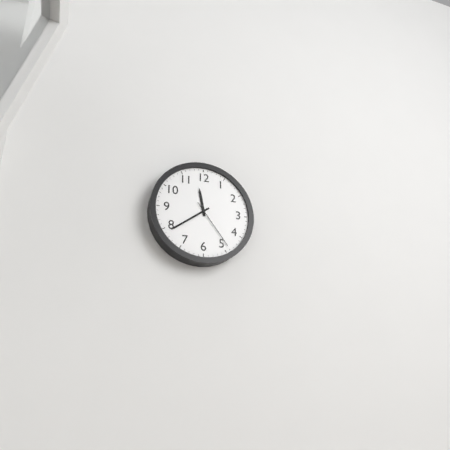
h=11 m=39 s=24
